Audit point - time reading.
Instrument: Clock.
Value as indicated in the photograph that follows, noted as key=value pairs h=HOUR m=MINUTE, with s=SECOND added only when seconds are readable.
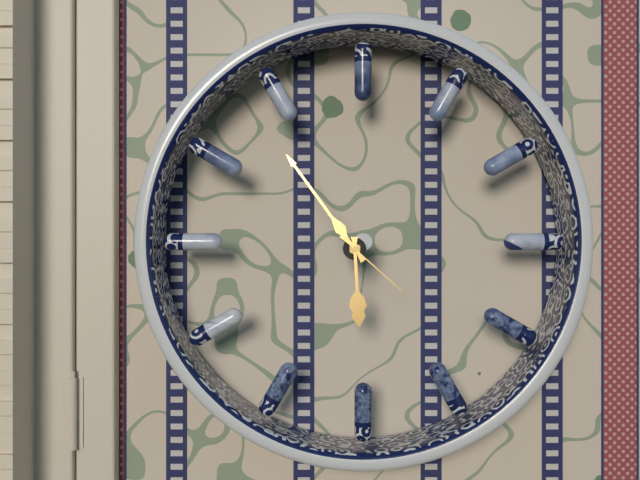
h=5 m=54 s=22
